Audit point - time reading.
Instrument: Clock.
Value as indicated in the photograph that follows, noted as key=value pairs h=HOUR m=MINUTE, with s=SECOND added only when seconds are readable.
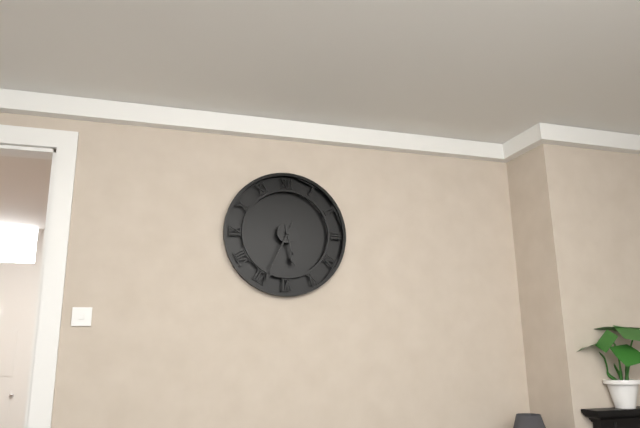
h=5 m=34
